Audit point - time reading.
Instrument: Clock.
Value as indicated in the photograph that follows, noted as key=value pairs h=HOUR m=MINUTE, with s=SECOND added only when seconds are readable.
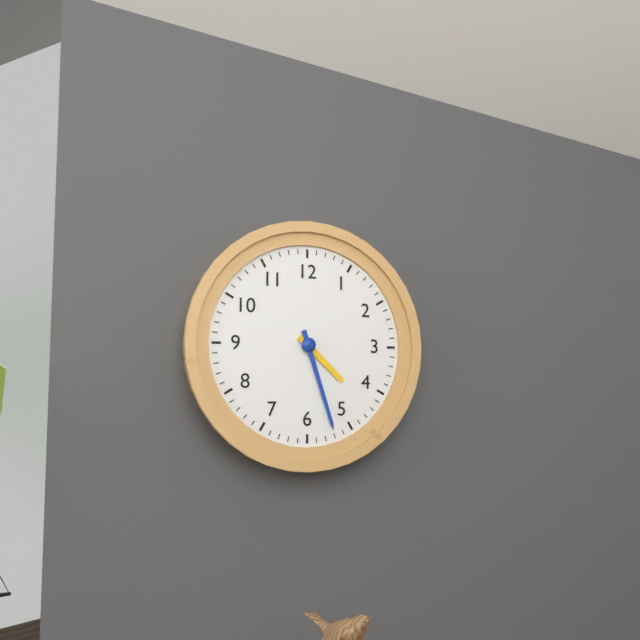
h=4 m=27
